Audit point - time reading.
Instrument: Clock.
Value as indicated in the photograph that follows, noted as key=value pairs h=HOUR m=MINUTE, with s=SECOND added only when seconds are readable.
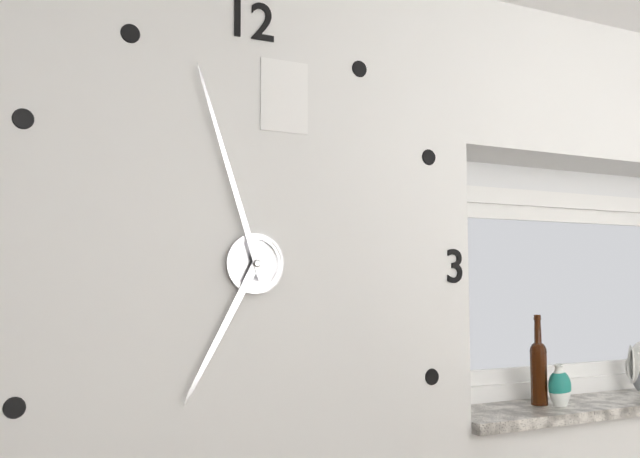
h=6 m=57
